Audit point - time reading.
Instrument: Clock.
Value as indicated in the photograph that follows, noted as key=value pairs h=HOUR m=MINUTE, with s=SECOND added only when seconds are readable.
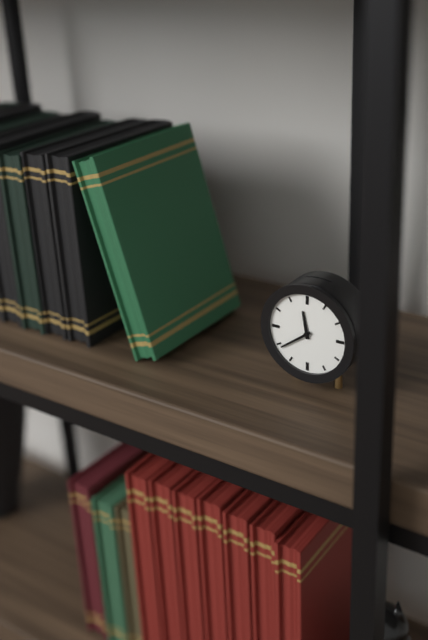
h=11 m=39
